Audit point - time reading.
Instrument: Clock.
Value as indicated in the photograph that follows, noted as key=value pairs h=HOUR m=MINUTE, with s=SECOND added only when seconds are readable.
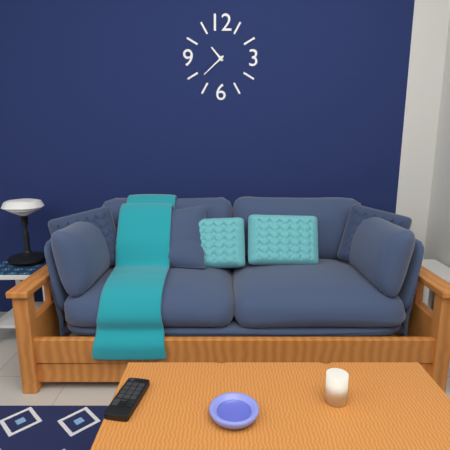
h=10 m=38
